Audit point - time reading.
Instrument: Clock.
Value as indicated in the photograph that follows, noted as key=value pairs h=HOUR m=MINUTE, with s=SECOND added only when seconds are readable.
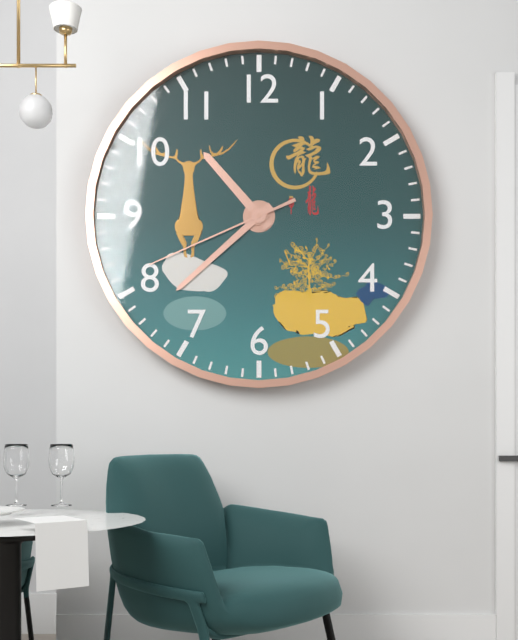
h=10 m=38 s=41
